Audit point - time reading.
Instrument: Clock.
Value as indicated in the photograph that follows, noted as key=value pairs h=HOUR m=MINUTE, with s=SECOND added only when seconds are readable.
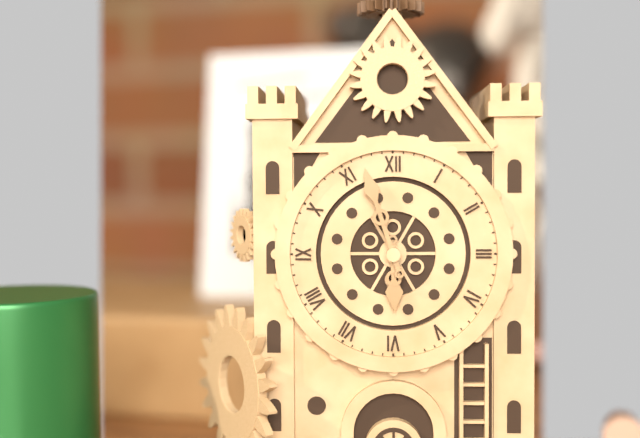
h=5 m=57
